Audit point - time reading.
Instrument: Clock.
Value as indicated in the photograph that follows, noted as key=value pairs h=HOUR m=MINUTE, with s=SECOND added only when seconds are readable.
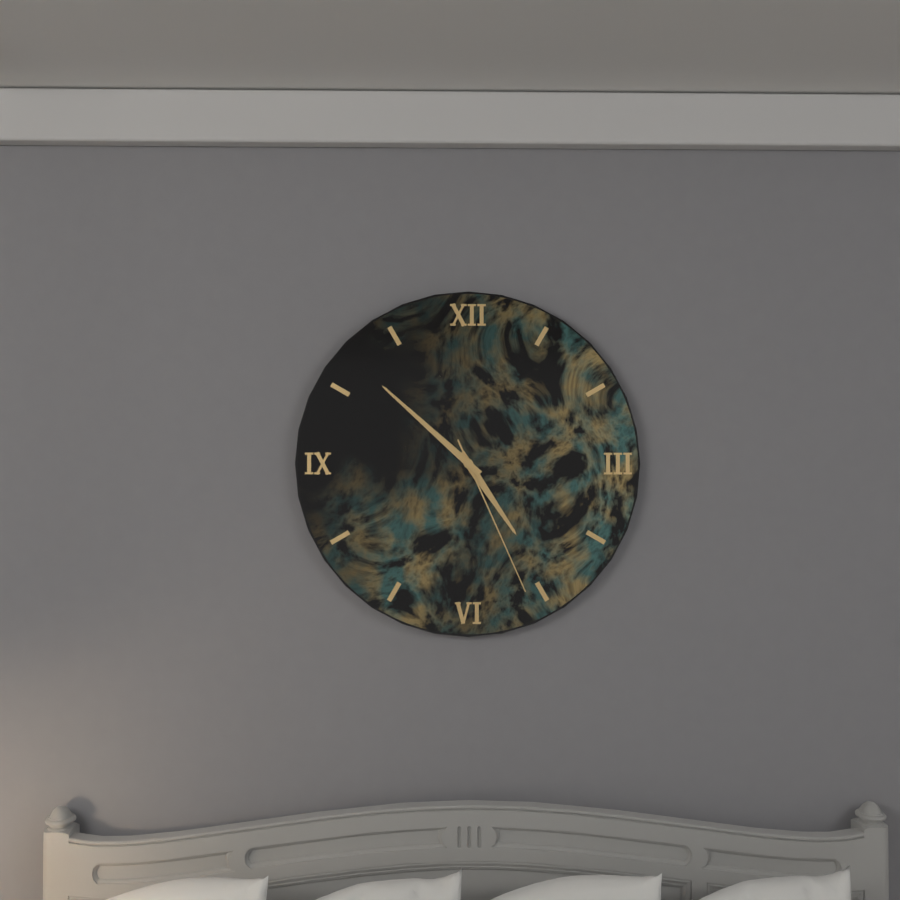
h=4 m=52 s=26
